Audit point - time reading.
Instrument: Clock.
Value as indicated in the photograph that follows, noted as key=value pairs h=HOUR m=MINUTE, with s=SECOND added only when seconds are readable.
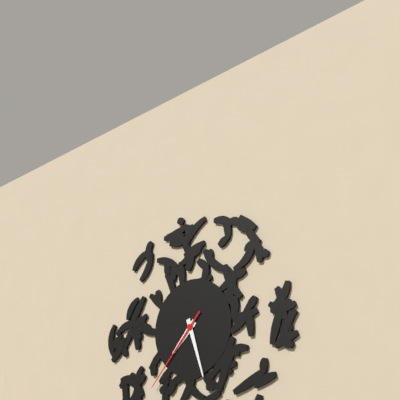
h=7 m=27 s=37
